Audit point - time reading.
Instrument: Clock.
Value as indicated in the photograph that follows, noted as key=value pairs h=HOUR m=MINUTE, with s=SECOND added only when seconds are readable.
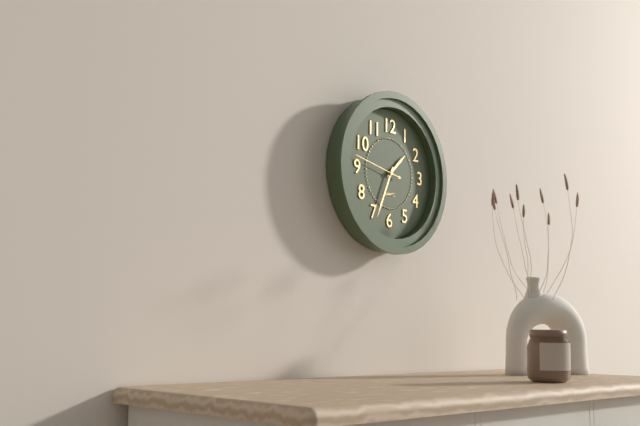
h=1 m=34
